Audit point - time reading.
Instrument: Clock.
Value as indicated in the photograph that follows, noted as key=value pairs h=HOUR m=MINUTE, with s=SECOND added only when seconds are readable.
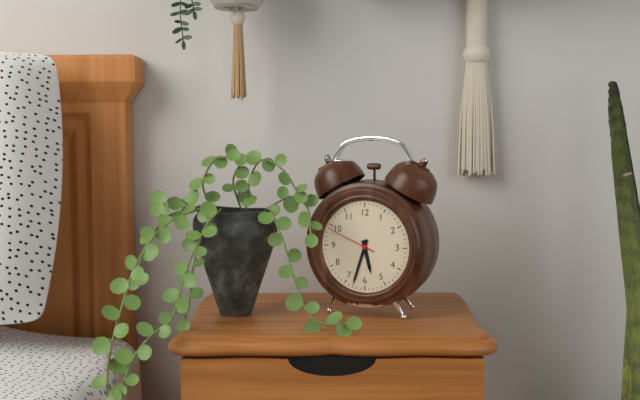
h=5 m=33
